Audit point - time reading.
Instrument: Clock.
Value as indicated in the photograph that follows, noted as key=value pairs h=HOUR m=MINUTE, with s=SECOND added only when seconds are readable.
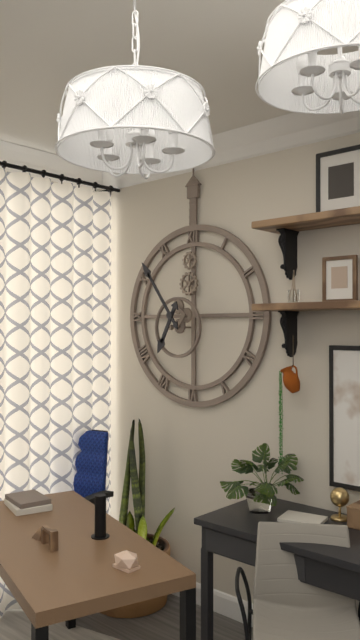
h=6 m=54
